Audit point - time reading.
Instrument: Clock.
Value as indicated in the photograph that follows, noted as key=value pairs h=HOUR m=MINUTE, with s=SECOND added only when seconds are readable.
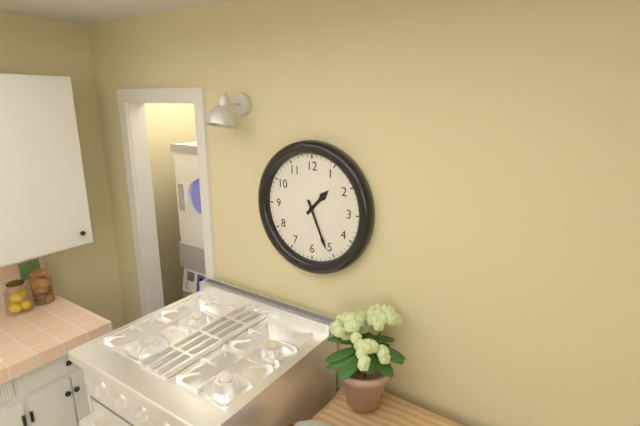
h=1 m=26
